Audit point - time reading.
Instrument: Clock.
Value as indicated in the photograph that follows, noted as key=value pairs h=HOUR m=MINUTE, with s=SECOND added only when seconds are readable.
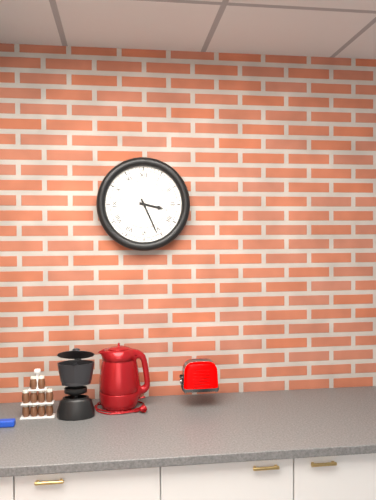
h=3 m=26
